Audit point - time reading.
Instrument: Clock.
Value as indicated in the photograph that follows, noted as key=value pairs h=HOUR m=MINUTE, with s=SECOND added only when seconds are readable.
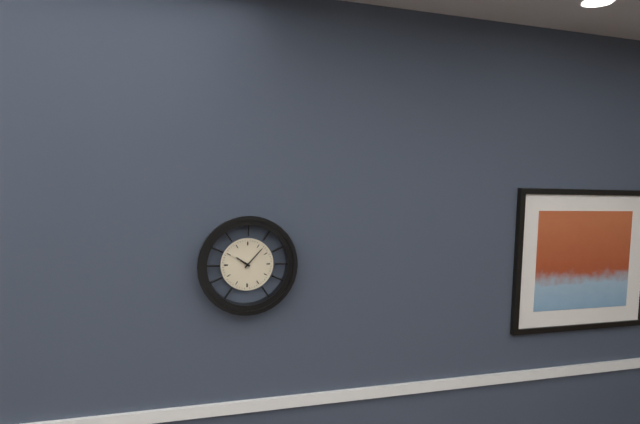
h=10 m=7
